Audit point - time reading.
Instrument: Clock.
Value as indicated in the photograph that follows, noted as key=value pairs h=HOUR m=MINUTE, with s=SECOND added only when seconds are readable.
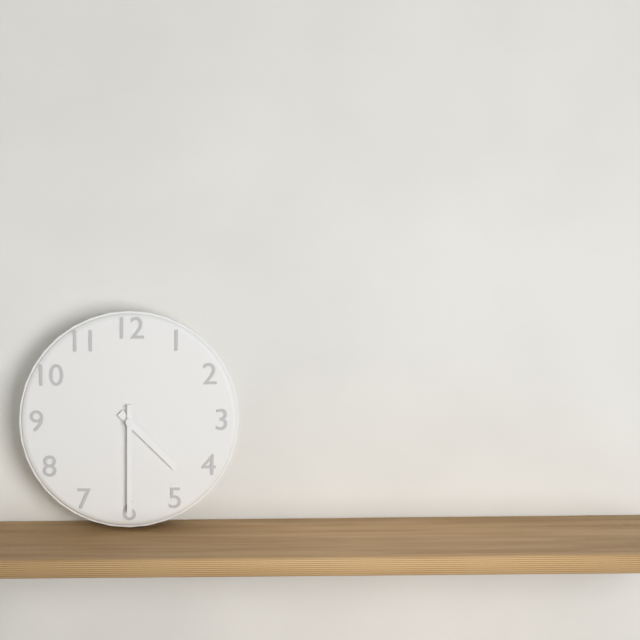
h=4 m=30
